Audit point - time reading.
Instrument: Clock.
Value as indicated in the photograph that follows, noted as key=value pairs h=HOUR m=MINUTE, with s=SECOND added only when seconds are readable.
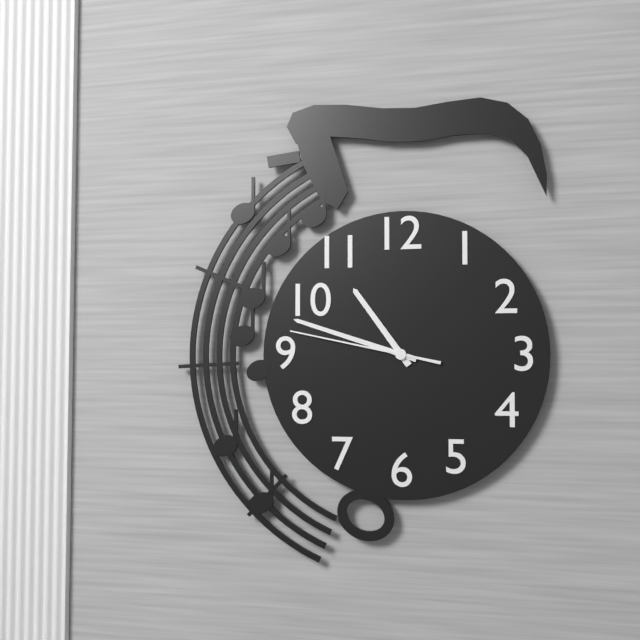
h=10 m=48 s=47
